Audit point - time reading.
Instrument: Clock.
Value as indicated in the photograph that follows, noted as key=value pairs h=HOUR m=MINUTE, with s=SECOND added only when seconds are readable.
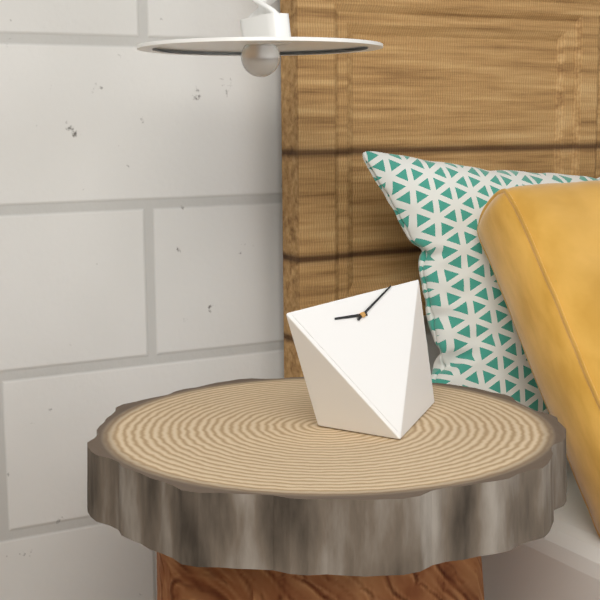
h=9 m=11
